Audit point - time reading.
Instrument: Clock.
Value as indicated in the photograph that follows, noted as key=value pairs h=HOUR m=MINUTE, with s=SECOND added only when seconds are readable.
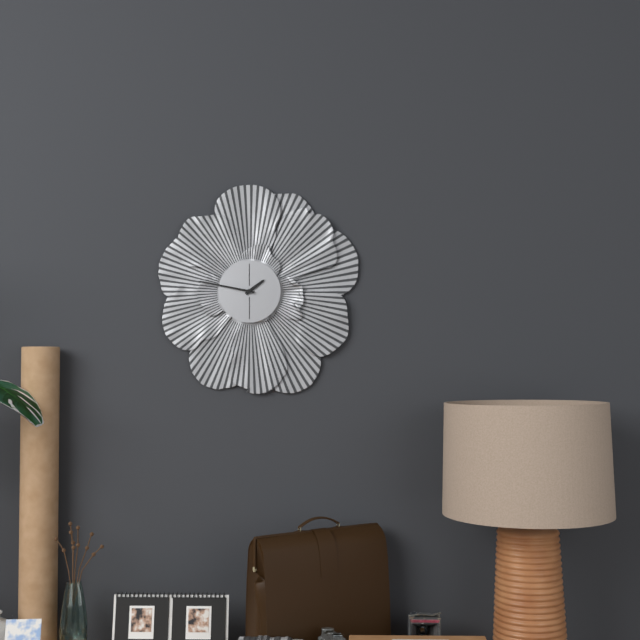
h=1 m=47
